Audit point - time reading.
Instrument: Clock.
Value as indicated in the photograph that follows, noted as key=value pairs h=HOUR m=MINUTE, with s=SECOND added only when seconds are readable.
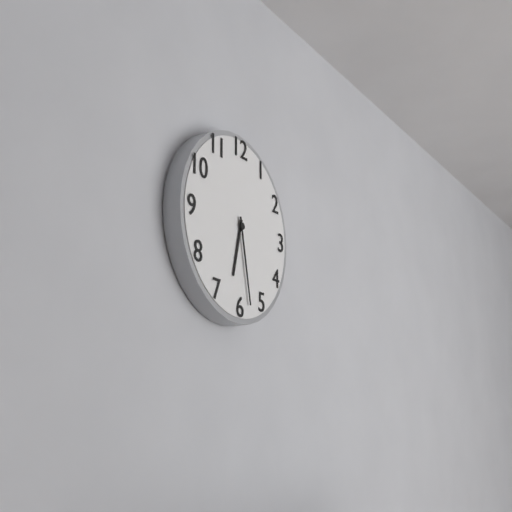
h=6 m=28
